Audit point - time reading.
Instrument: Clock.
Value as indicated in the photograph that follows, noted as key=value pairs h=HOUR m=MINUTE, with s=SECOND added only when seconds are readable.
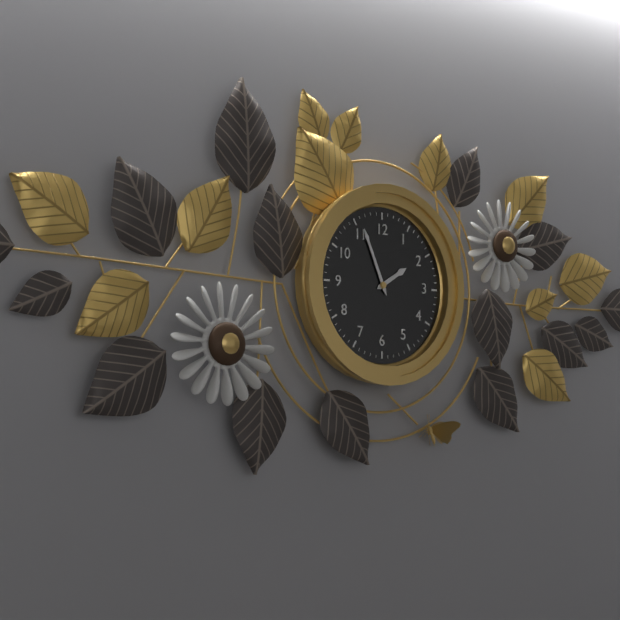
h=1 m=56
